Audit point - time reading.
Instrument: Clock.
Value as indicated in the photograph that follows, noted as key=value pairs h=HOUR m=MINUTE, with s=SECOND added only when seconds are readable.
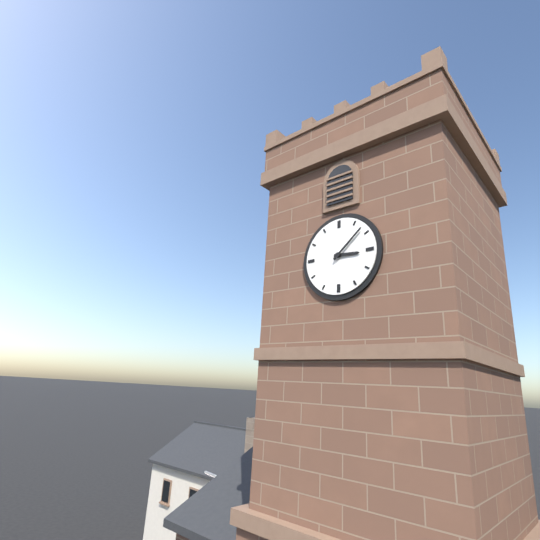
h=3 m=8
